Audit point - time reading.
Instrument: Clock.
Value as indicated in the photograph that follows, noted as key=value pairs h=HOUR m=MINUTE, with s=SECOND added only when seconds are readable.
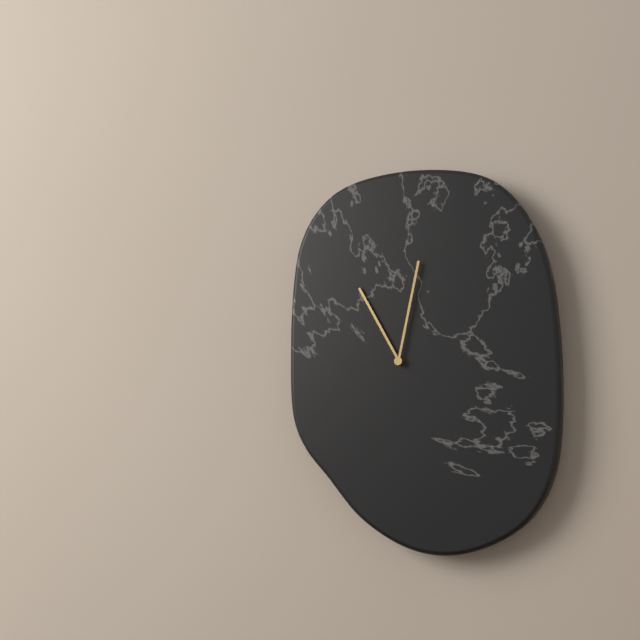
h=11 m=2
